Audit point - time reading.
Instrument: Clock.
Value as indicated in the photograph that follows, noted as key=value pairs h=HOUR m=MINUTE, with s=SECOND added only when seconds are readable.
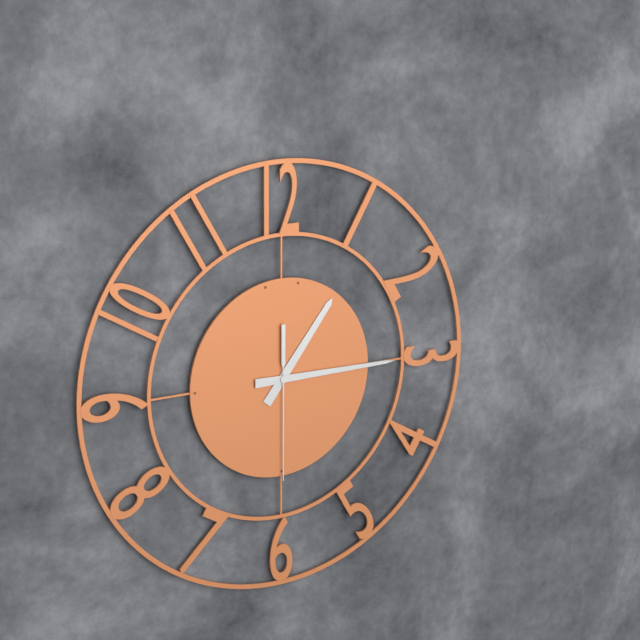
h=1 m=15 s=30
